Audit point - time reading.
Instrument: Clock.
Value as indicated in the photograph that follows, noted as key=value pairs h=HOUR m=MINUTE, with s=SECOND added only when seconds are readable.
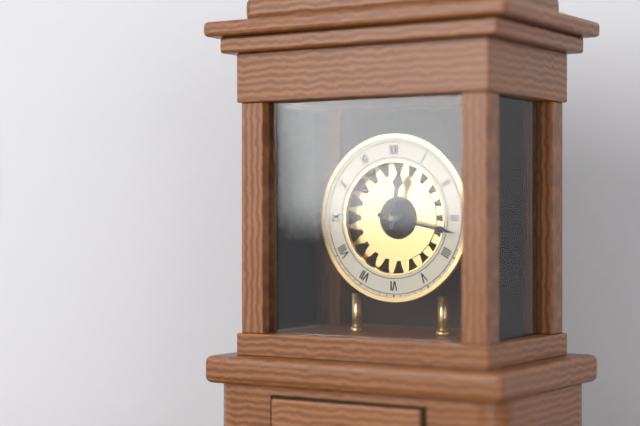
h=12 m=17
